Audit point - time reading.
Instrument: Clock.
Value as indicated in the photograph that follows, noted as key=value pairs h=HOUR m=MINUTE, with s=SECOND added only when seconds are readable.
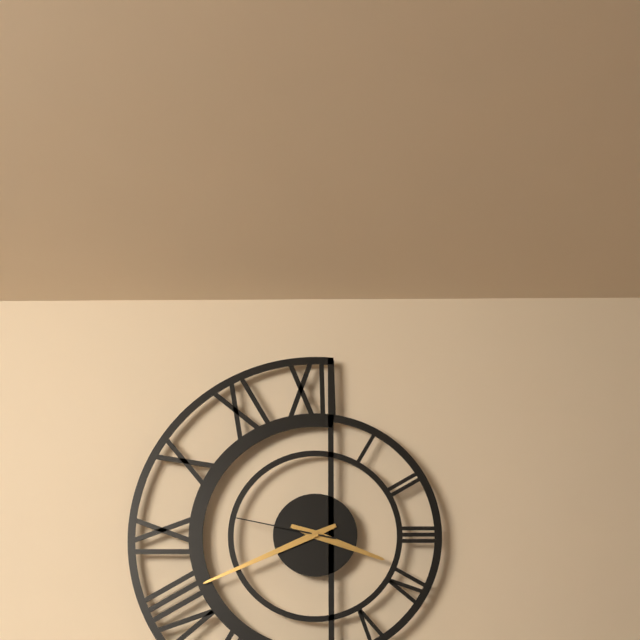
h=3 m=41 s=47
